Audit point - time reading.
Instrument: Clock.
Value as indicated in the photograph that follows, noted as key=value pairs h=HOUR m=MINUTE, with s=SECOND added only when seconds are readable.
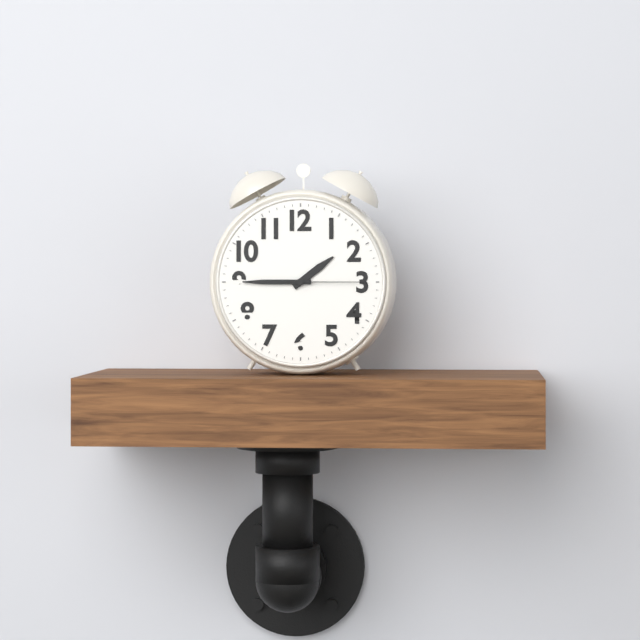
h=1 m=45 s=15
